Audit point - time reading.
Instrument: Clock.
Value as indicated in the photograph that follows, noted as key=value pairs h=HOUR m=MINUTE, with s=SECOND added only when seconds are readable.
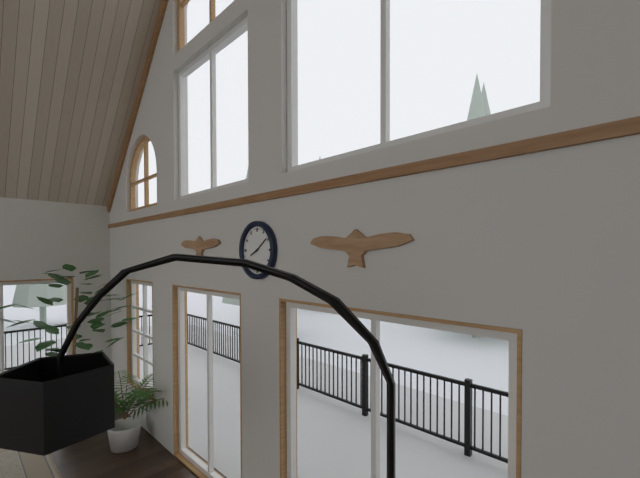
h=8 m=9
